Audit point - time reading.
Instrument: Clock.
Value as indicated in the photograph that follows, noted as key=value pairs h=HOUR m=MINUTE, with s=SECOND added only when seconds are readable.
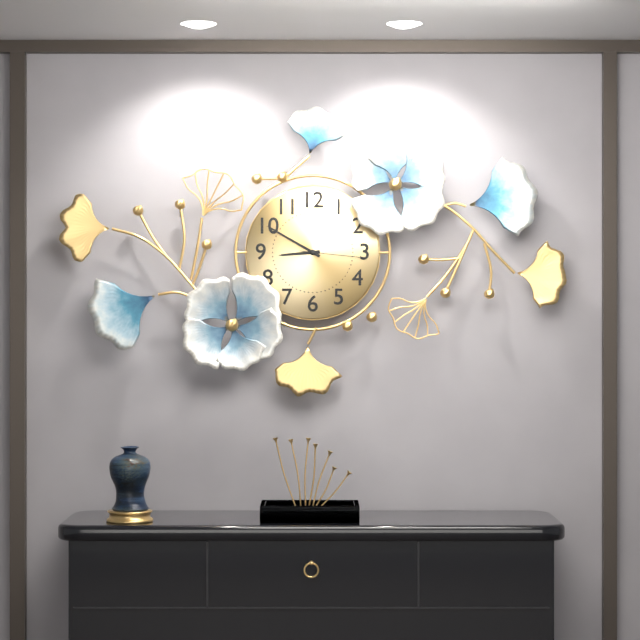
h=8 m=50 s=16
